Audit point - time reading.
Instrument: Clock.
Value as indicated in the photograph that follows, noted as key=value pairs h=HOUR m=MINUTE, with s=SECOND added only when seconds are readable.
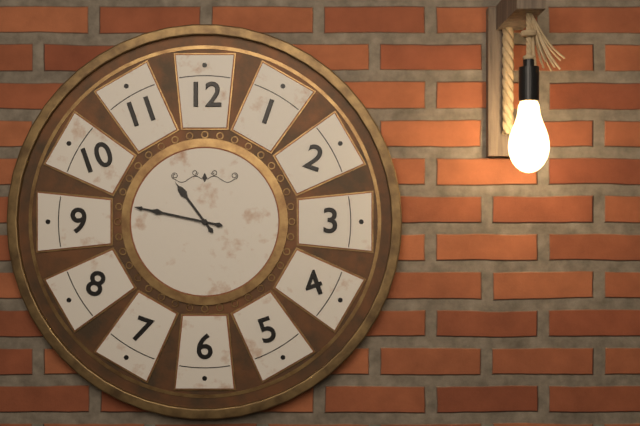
h=10 m=47
